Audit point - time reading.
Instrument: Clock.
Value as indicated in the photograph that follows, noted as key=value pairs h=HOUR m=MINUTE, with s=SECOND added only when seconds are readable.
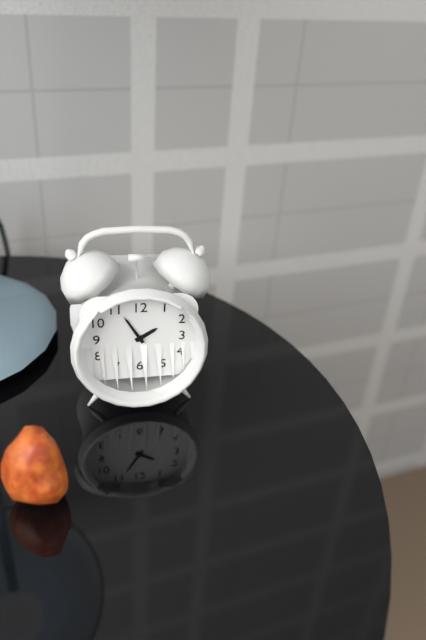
h=1 m=55
